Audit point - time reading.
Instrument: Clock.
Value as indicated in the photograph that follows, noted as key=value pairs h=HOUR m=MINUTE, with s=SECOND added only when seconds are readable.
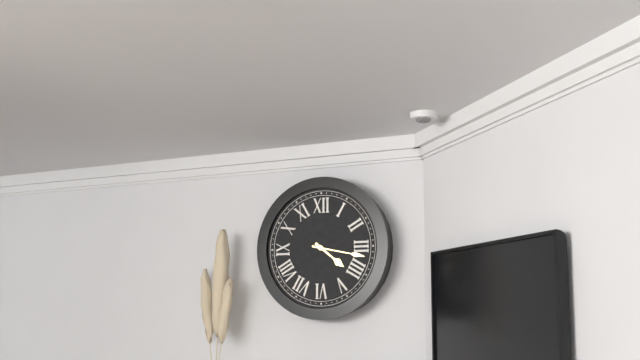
h=4 m=17
